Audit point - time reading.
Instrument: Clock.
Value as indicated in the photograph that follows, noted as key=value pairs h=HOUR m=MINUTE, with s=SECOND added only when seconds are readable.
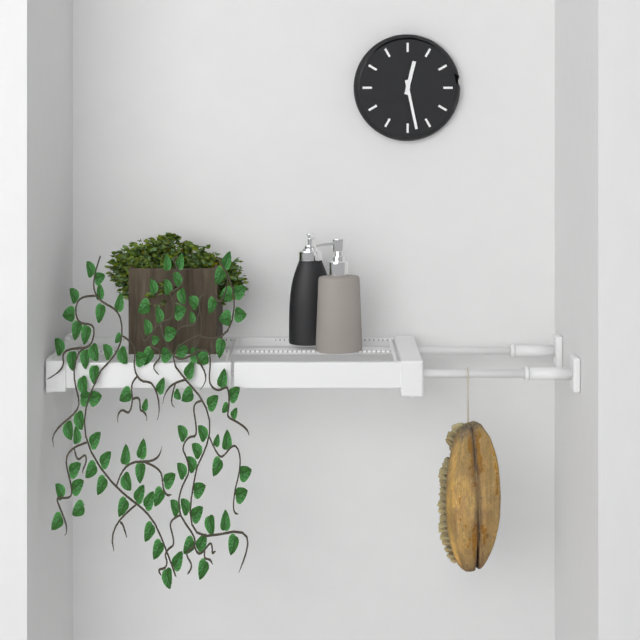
h=12 m=28
